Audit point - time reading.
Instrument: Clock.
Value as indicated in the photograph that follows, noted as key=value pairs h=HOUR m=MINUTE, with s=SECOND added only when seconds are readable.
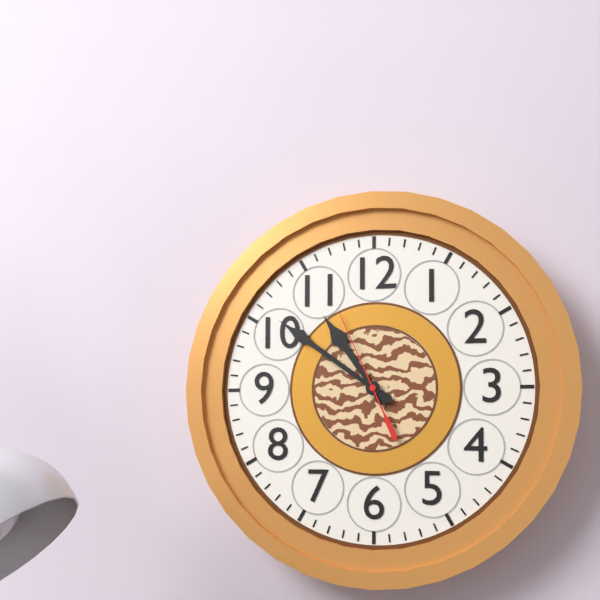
h=10 m=51 s=56
